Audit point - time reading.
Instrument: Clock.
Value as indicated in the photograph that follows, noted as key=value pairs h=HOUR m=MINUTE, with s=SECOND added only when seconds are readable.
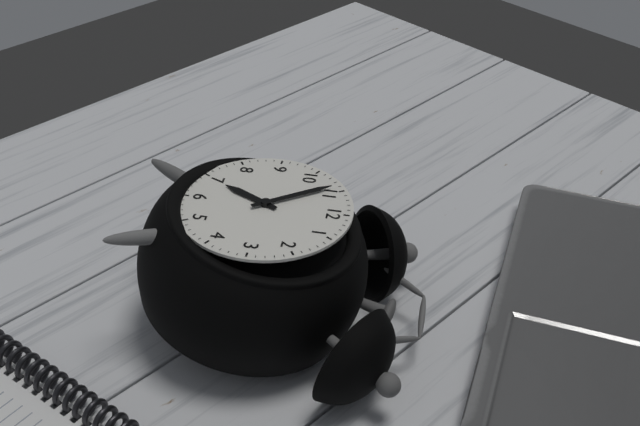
h=6 m=54
